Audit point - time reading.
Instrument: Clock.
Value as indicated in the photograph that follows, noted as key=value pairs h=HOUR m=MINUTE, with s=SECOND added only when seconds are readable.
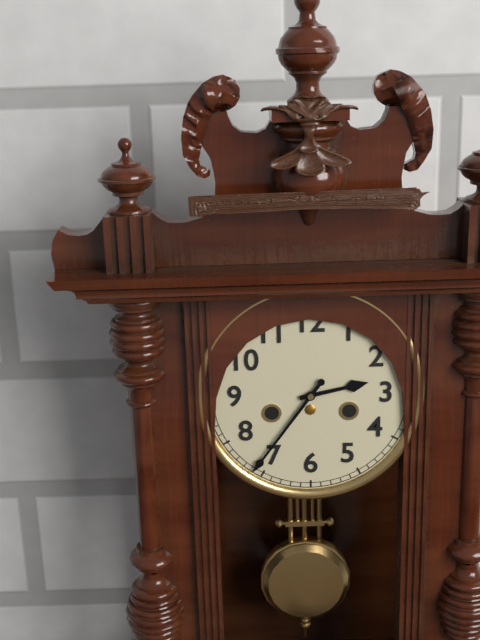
h=2 m=36
